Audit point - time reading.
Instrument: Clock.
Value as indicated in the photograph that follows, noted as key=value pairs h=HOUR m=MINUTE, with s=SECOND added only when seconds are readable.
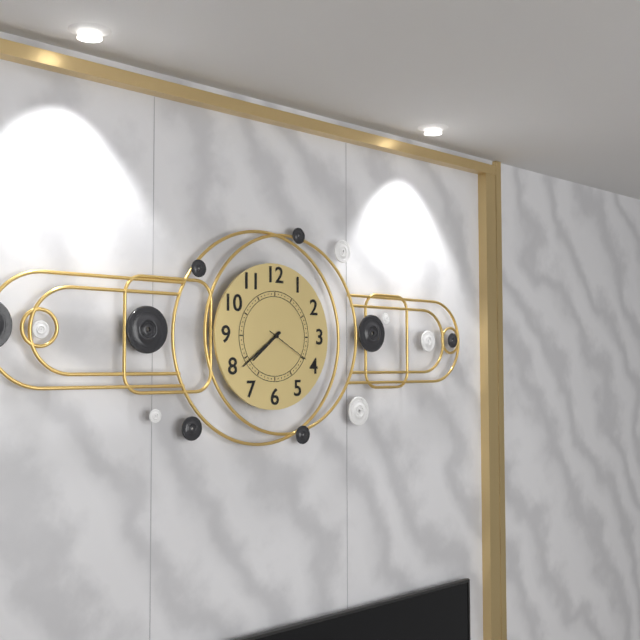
h=7 m=39
